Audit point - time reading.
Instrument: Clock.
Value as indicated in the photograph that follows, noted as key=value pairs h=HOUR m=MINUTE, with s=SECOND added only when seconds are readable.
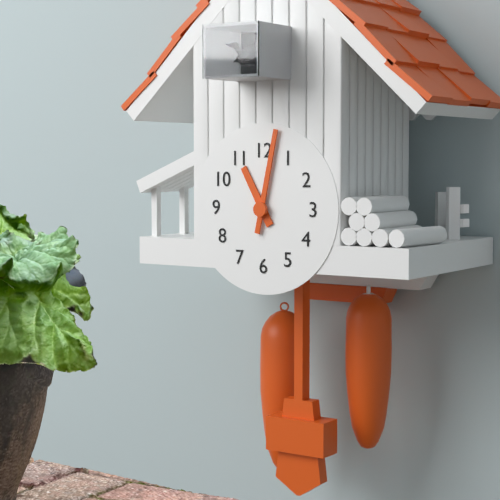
h=11 m=2
